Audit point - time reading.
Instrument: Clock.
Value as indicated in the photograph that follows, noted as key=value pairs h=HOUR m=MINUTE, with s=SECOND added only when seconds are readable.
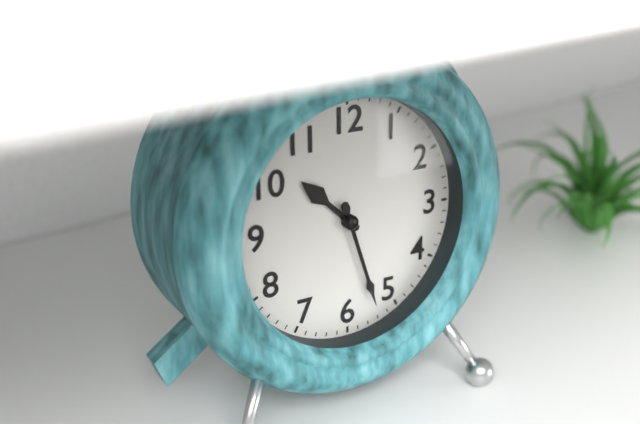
h=10 m=27
